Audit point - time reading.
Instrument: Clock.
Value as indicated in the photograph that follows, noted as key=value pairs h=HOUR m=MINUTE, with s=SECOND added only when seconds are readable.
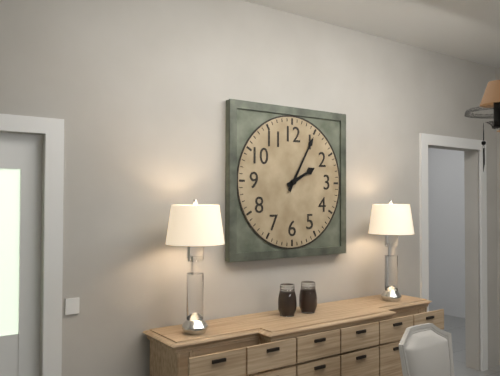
h=2 m=5
